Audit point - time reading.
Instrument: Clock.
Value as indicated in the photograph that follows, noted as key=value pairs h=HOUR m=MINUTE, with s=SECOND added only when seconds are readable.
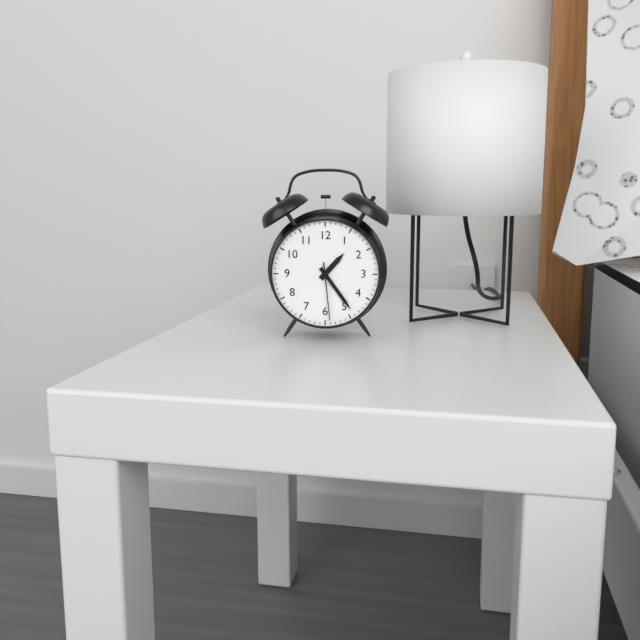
h=1 m=24 s=29
